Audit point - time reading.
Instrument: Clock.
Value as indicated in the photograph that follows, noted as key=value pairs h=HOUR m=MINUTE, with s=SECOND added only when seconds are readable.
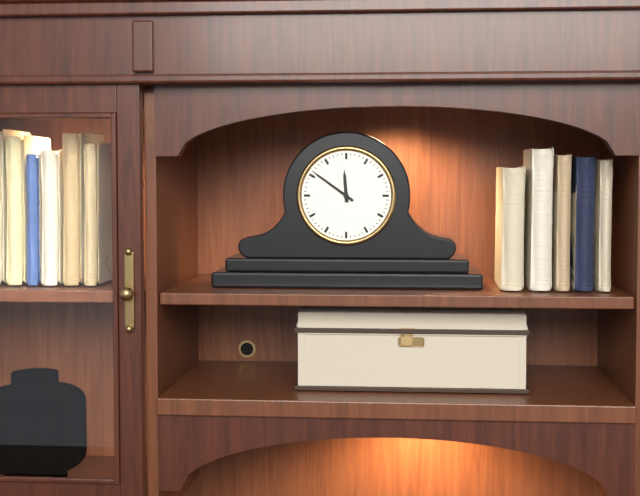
h=11 m=51
